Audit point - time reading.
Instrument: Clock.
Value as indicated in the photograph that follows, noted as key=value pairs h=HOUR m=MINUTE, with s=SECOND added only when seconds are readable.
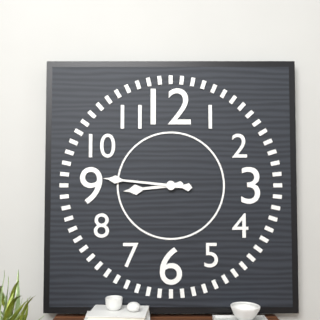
h=8 m=46
